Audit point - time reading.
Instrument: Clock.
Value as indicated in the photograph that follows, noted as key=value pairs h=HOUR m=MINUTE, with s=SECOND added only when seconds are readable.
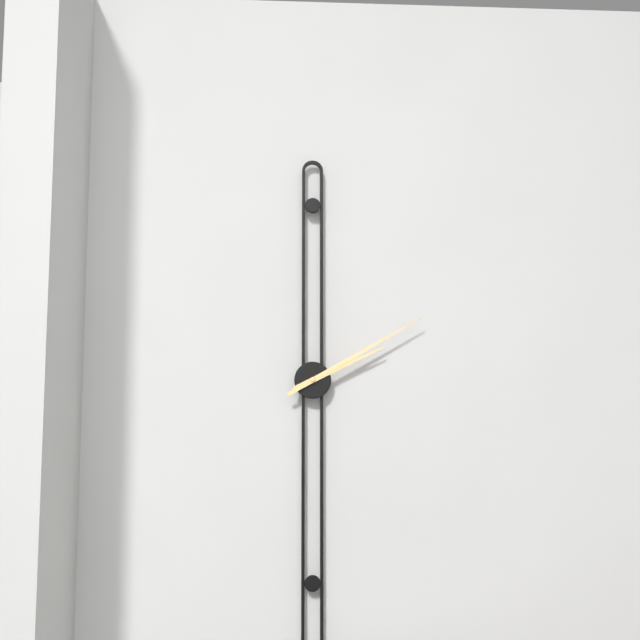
h=2 m=10
